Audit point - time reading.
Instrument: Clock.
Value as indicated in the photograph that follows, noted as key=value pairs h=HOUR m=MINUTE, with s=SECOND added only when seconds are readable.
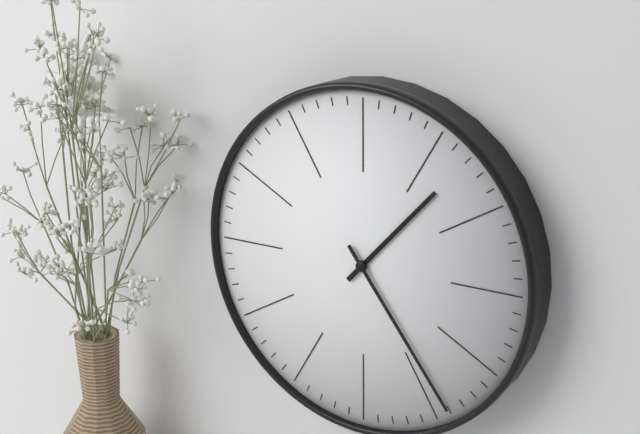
h=1 m=24
